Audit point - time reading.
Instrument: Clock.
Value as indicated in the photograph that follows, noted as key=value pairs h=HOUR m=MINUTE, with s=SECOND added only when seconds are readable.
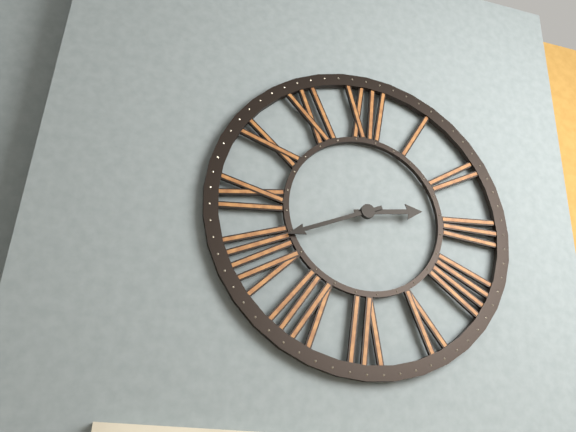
h=2 m=41
